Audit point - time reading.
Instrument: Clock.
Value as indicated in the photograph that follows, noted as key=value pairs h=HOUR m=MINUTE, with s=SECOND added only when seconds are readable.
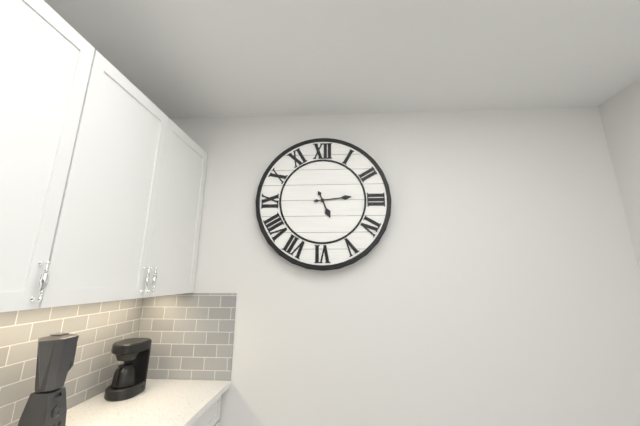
h=5 m=14
